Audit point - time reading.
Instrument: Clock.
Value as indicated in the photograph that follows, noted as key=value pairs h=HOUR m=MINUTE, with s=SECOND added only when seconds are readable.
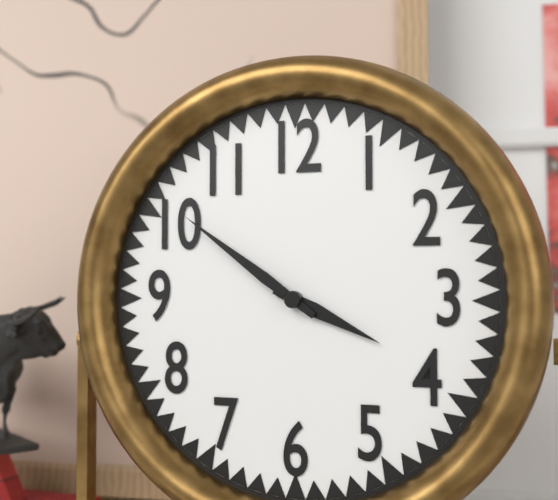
h=3 m=51
